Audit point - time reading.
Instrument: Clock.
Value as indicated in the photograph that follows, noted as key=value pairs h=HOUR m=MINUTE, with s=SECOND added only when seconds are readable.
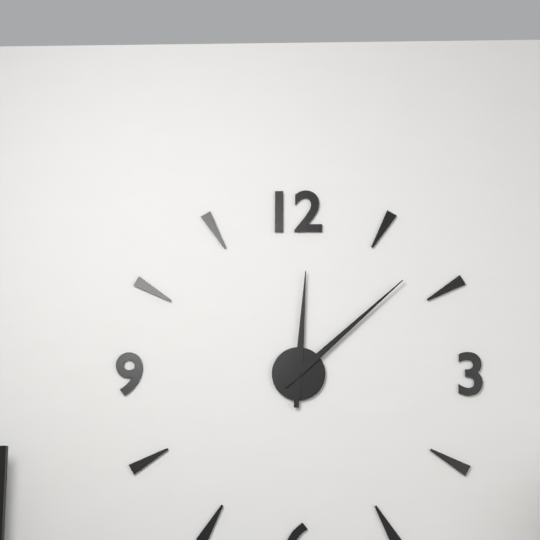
h=12 m=8
